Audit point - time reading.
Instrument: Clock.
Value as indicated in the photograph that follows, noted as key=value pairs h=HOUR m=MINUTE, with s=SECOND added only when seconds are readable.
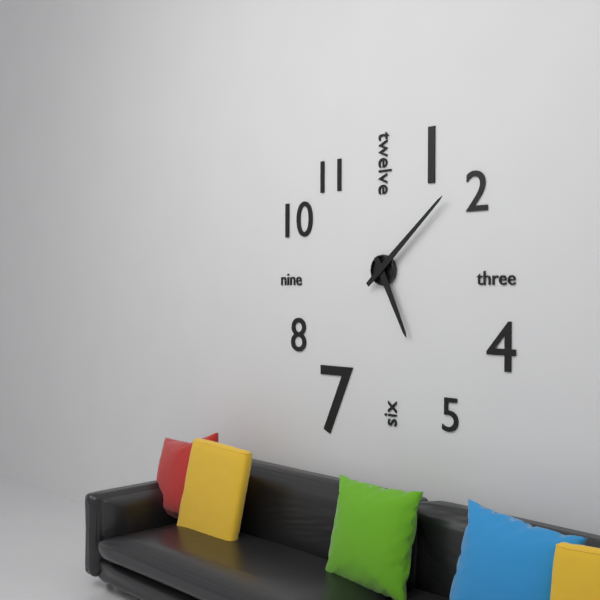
h=5 m=8
